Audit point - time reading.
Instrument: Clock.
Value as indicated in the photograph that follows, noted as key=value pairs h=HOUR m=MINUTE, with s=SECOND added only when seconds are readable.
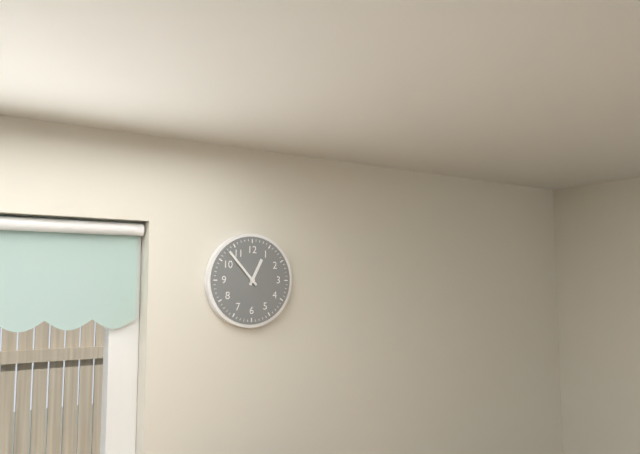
h=12 m=53
